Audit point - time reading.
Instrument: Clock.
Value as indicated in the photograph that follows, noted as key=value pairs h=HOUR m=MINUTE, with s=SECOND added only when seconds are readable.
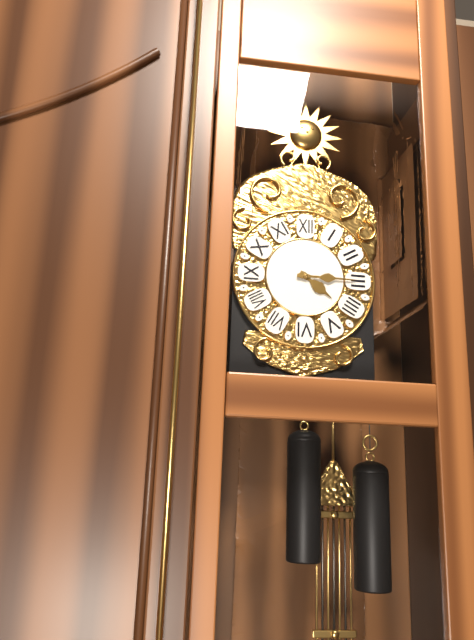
h=4 m=15
